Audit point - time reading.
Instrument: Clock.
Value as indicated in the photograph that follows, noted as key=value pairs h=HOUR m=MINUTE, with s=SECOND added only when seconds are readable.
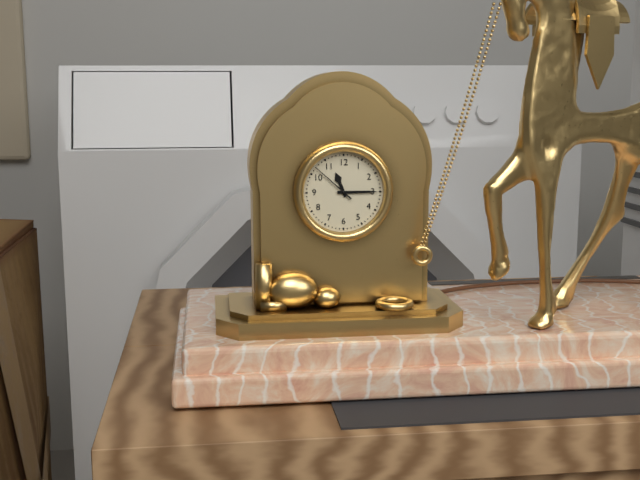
h=11 m=15
